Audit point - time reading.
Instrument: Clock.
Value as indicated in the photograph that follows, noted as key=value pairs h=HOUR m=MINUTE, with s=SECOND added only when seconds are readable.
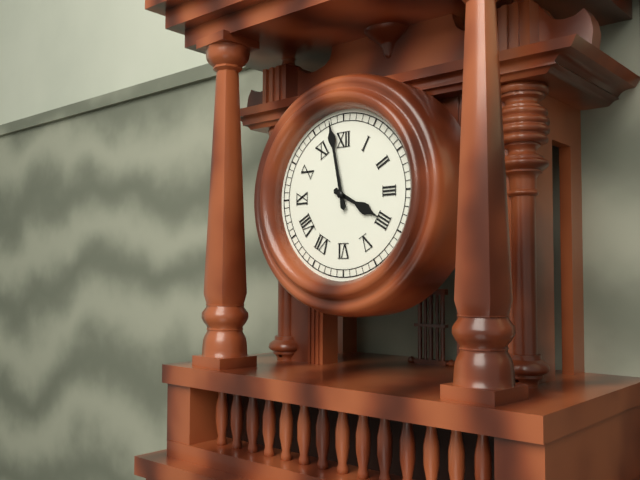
h=3 m=58
